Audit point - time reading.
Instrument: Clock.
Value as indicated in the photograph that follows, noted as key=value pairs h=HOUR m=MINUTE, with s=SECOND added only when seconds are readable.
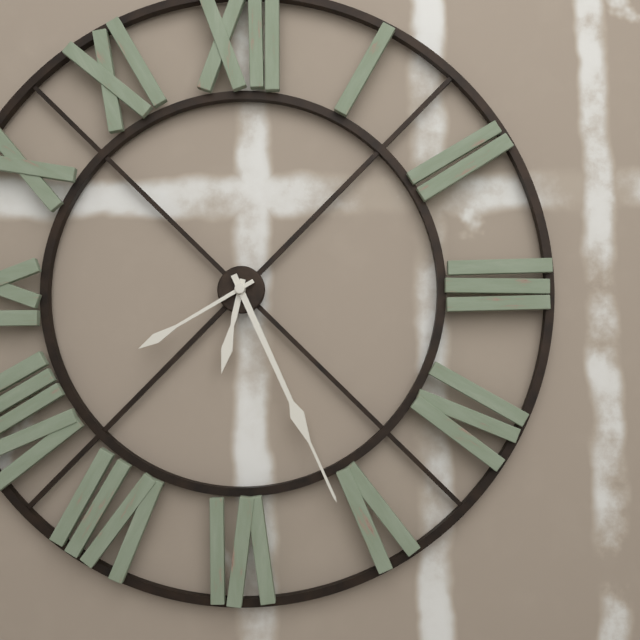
h=6 m=26 s=40
